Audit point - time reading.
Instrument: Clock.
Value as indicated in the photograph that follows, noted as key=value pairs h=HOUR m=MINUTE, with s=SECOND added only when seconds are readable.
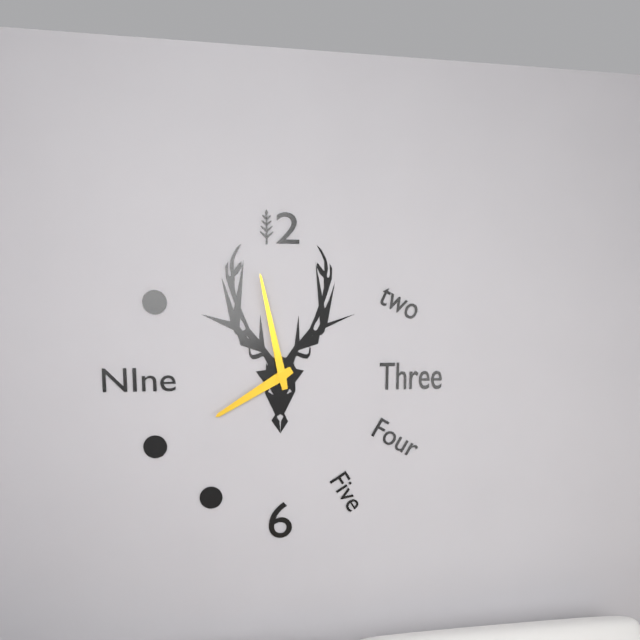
h=7 m=58
